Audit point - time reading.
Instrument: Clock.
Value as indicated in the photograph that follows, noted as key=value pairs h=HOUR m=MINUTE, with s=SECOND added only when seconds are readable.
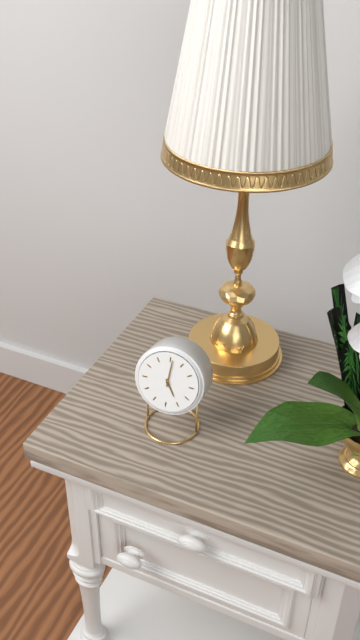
h=5 m=1
